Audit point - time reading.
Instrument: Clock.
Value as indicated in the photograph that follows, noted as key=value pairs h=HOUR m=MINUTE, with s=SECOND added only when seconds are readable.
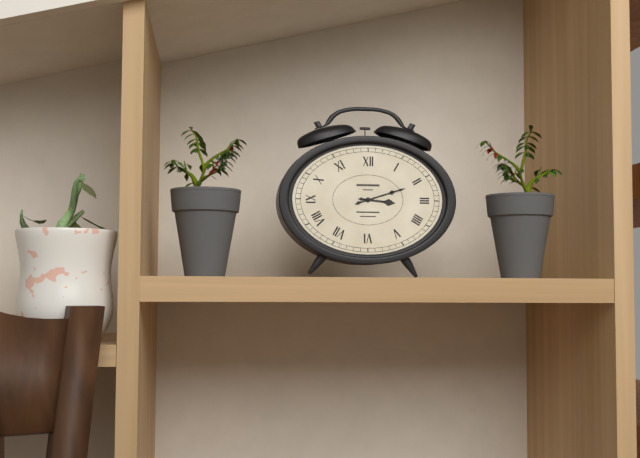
h=3 m=12
